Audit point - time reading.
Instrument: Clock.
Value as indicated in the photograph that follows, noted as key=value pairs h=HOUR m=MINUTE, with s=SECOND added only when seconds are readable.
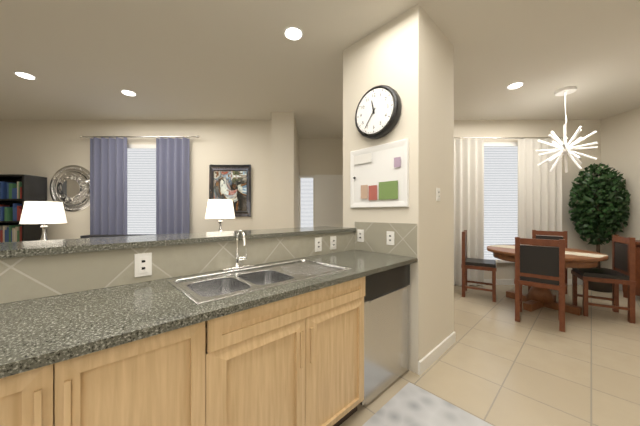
h=11 m=36
